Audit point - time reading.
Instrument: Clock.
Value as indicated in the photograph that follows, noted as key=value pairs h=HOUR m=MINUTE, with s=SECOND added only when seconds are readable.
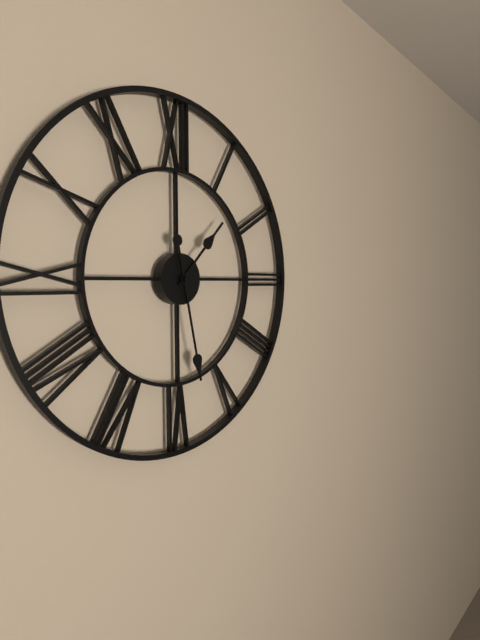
h=1 m=28
